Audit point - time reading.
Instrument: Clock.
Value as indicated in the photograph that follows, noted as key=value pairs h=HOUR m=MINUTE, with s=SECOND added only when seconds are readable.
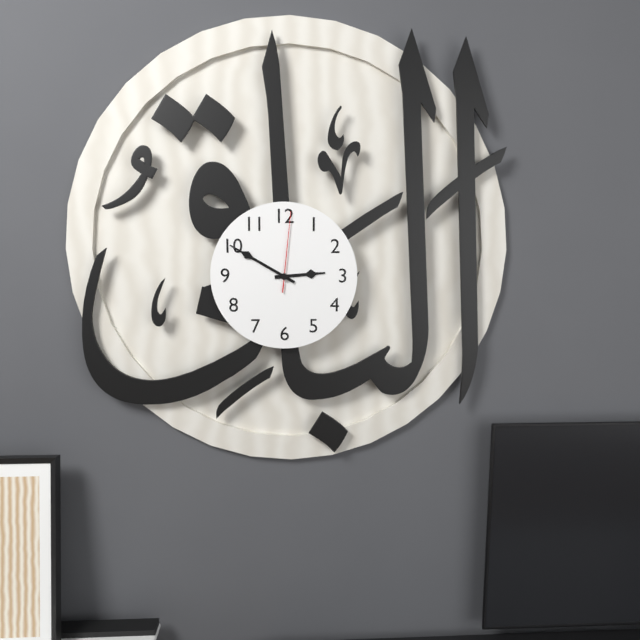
h=2 m=50 s=1
